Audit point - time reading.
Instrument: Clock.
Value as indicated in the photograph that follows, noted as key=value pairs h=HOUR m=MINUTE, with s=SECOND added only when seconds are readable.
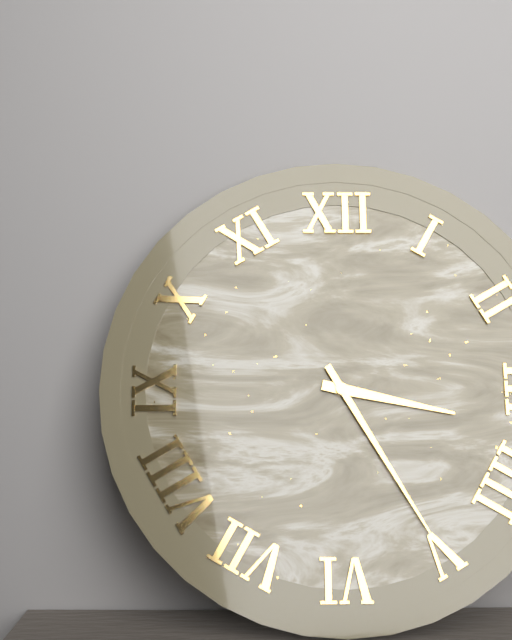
h=3 m=25
